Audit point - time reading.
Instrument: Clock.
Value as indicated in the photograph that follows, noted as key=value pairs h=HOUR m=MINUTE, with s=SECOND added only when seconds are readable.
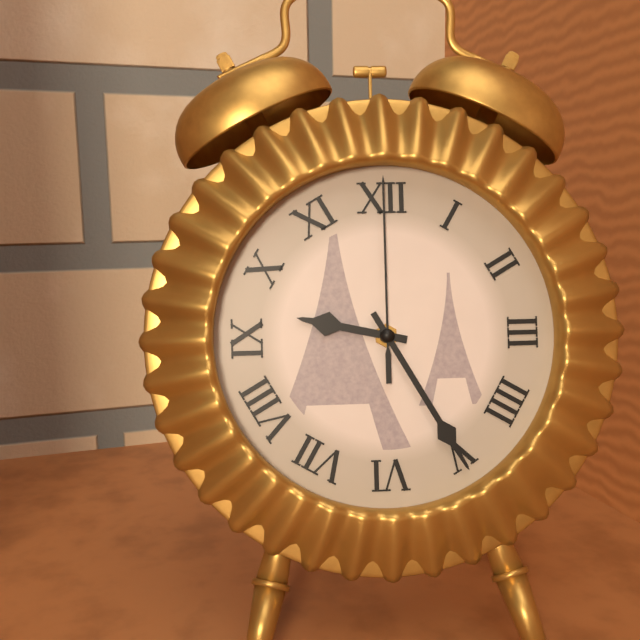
h=9 m=25 s=0
